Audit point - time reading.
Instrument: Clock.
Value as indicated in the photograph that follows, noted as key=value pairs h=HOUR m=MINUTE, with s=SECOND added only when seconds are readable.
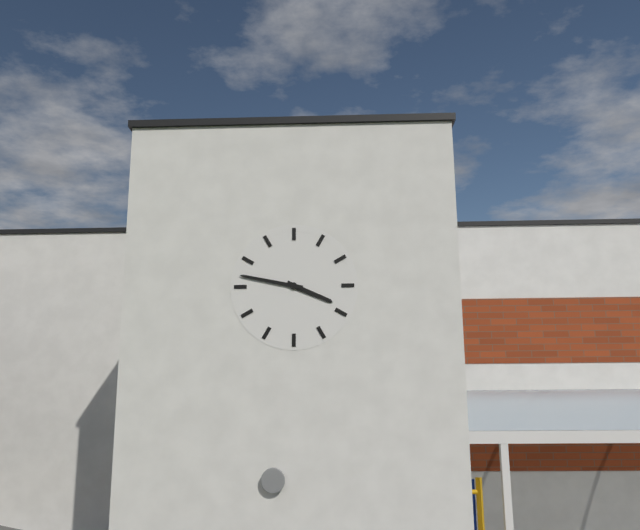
h=3 m=47
